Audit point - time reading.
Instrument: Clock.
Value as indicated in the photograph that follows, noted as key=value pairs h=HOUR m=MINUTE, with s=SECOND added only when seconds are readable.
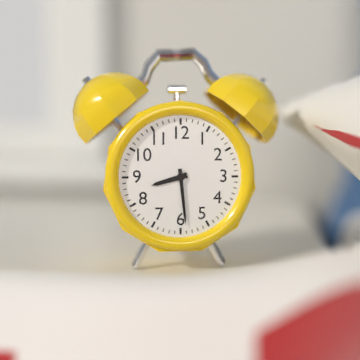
h=8 m=29
